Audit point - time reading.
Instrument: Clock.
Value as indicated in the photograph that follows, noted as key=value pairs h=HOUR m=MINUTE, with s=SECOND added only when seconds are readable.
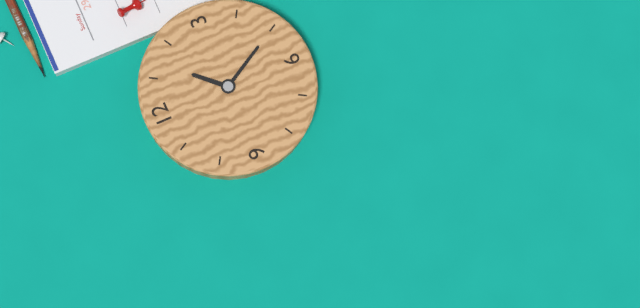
h=1 m=25
